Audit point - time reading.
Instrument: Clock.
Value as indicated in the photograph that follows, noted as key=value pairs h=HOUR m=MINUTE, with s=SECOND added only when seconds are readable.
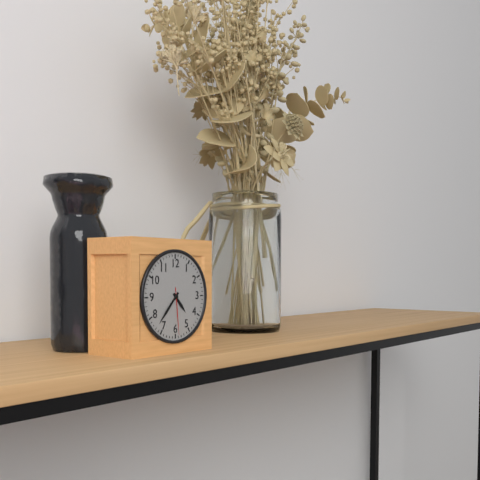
h=4 m=37
